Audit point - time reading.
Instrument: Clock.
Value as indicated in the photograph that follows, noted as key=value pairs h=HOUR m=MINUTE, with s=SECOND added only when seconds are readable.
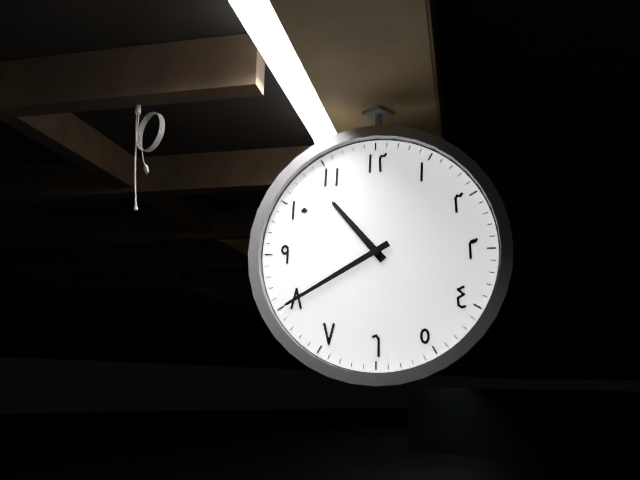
h=10 m=40
